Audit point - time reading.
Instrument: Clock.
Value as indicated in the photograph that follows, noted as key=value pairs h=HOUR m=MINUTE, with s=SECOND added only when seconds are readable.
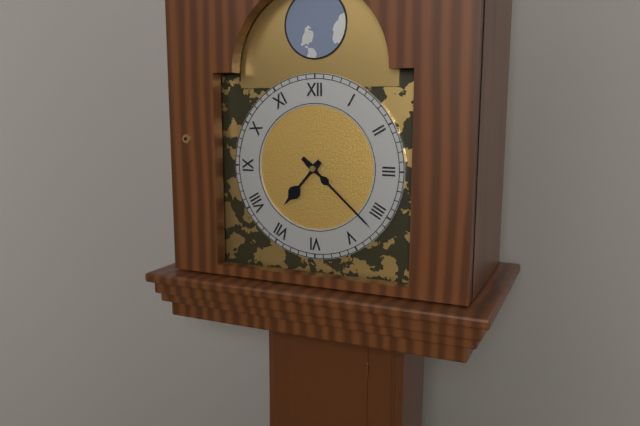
h=7 m=22
